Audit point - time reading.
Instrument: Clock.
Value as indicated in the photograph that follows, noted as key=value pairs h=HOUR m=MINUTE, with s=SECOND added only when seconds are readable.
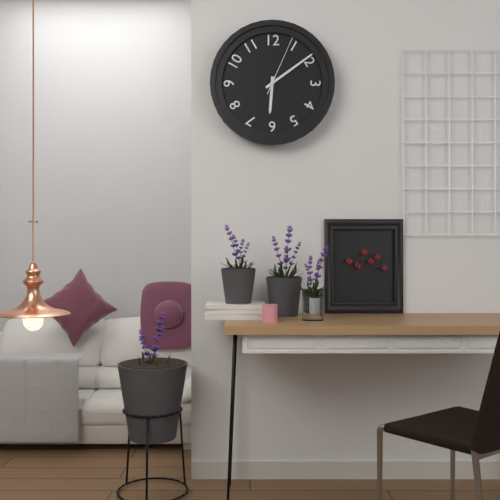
h=6 m=9 s=4
